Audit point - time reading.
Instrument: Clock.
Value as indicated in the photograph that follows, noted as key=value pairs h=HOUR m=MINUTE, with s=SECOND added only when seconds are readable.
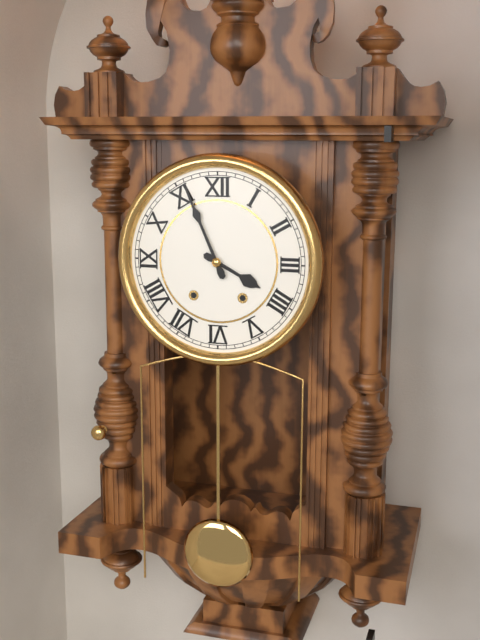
h=3 m=56
